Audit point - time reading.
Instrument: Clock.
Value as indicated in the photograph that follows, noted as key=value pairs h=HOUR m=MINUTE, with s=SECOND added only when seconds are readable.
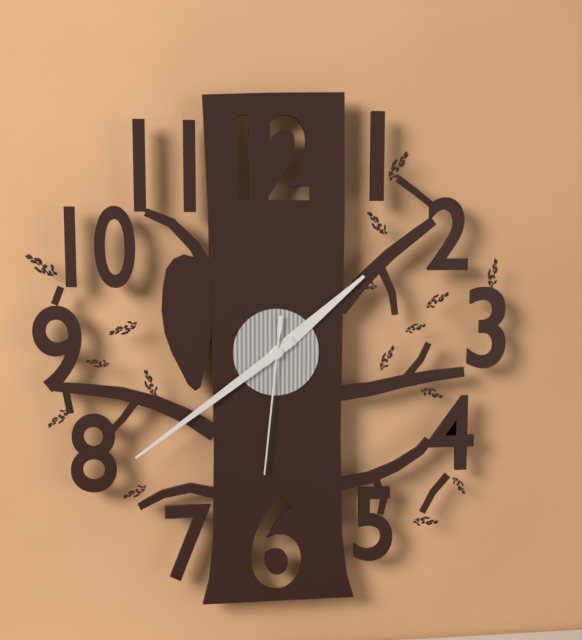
h=1 m=39 s=31
